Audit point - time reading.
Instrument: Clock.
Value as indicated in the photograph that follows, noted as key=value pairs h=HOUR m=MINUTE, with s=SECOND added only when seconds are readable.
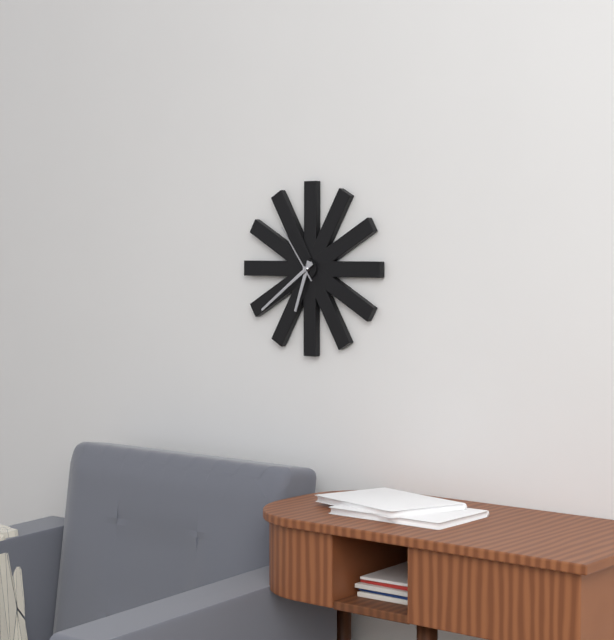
h=6 m=39 s=54
